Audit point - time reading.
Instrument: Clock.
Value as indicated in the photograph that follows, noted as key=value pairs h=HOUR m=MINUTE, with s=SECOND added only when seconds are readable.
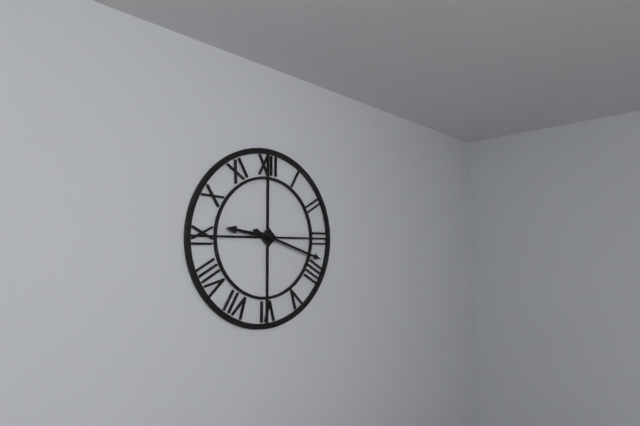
h=9 m=18
